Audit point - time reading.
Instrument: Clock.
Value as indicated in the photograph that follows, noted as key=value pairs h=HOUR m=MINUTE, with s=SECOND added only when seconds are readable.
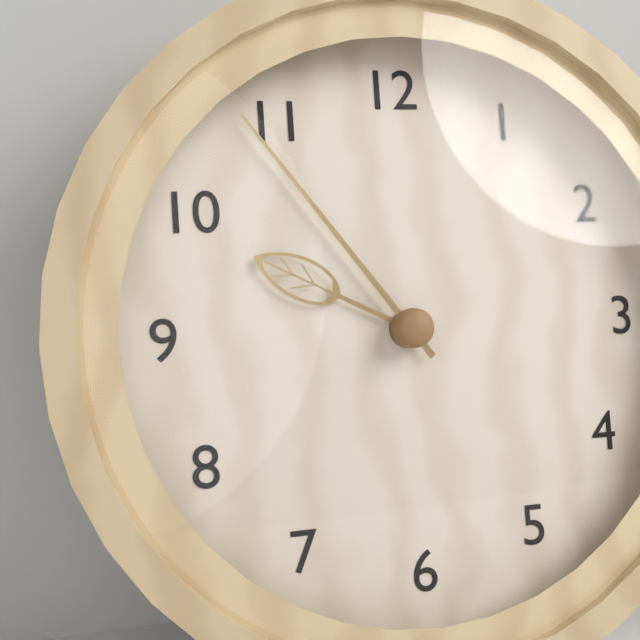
h=9 m=54
